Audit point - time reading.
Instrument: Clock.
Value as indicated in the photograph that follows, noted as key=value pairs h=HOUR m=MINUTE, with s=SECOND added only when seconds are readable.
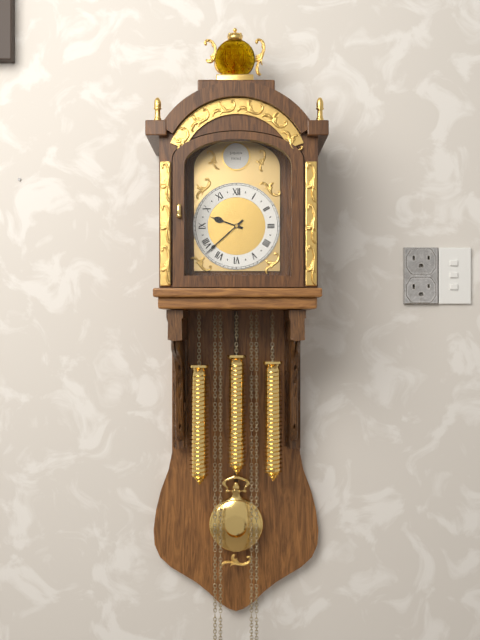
h=9 m=38
